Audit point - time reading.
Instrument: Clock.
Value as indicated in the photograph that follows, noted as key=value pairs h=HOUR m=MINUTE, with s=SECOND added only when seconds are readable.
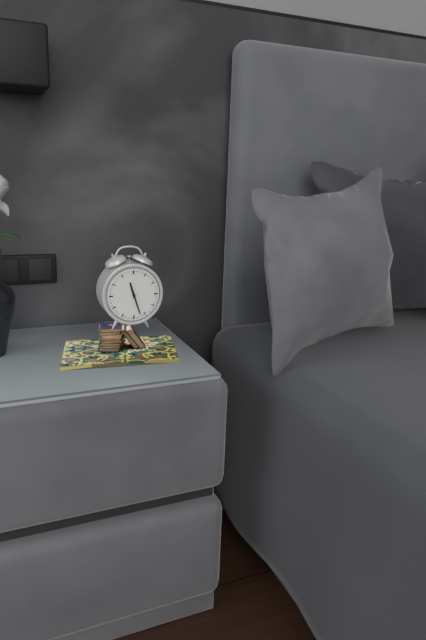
h=11 m=27
